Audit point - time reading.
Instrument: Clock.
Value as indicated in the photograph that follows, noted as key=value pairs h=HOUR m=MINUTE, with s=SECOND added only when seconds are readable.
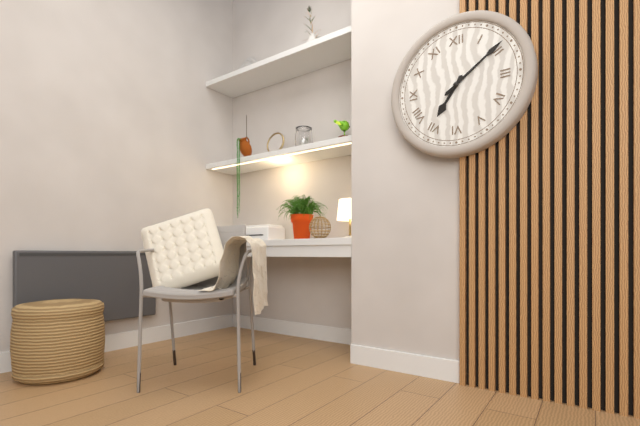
h=7 m=9
